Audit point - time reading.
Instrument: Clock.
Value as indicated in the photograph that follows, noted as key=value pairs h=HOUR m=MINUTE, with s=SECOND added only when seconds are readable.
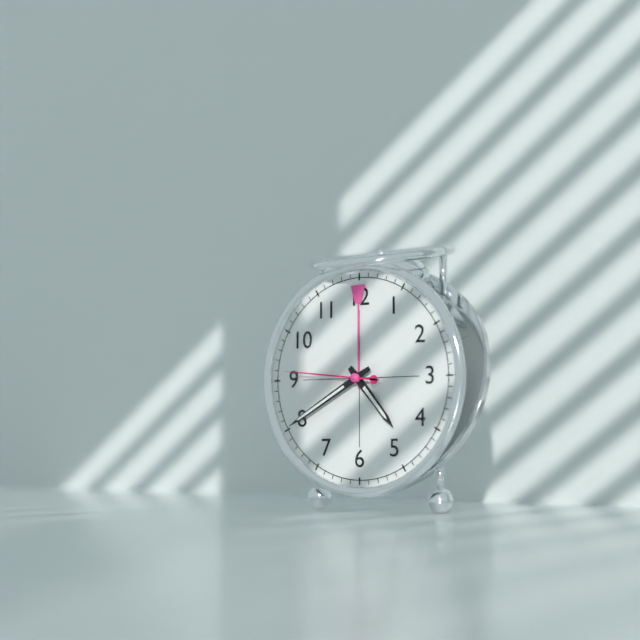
h=4 m=40 s=46
